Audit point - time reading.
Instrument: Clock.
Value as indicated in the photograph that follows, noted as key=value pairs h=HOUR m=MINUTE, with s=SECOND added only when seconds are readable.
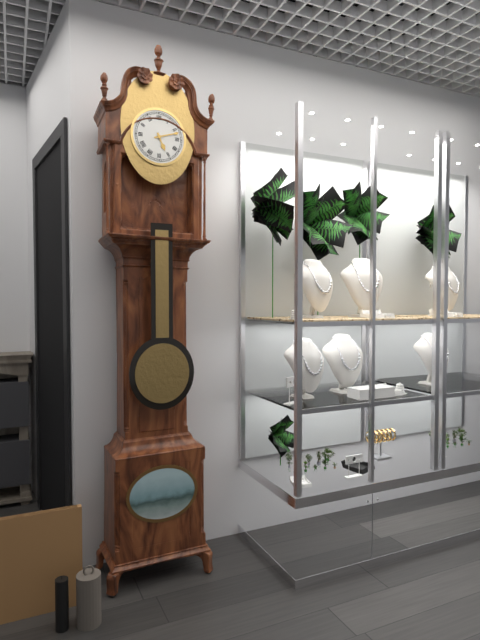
h=5 m=12
